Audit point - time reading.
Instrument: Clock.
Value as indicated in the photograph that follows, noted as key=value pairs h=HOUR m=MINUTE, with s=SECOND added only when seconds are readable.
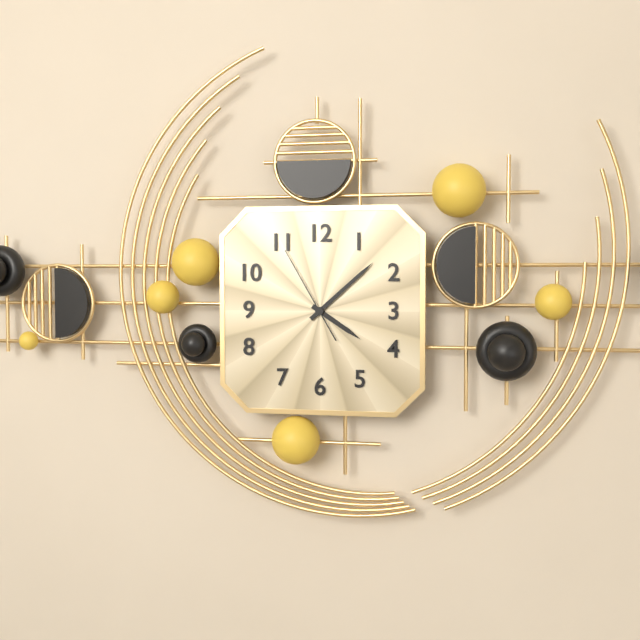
h=4 m=8 s=55
